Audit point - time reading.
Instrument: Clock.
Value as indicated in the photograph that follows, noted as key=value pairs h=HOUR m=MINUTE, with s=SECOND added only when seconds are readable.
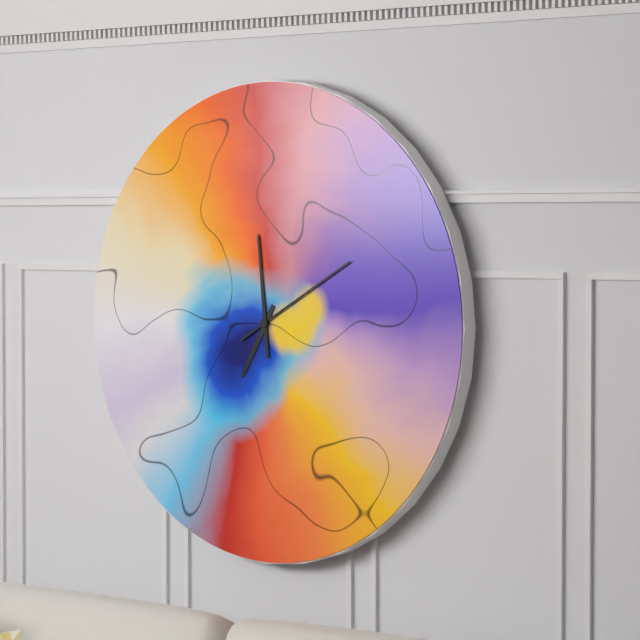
h=6 m=59 s=10
